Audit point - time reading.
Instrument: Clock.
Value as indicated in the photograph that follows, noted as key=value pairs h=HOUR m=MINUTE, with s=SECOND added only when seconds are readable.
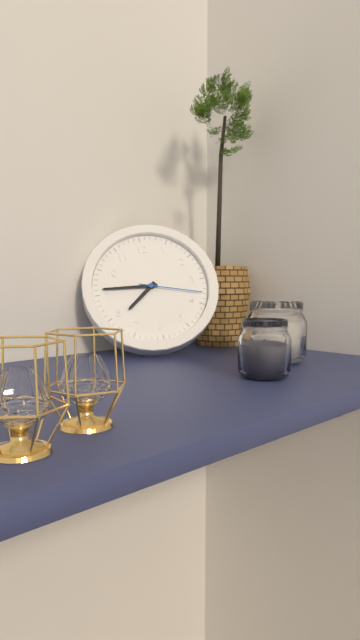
h=7 m=46 s=18
